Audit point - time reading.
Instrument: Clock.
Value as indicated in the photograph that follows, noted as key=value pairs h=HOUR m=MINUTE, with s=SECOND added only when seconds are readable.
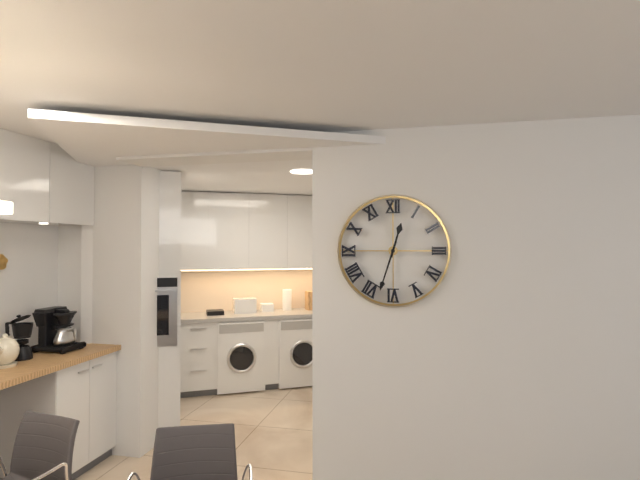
h=12 m=33
